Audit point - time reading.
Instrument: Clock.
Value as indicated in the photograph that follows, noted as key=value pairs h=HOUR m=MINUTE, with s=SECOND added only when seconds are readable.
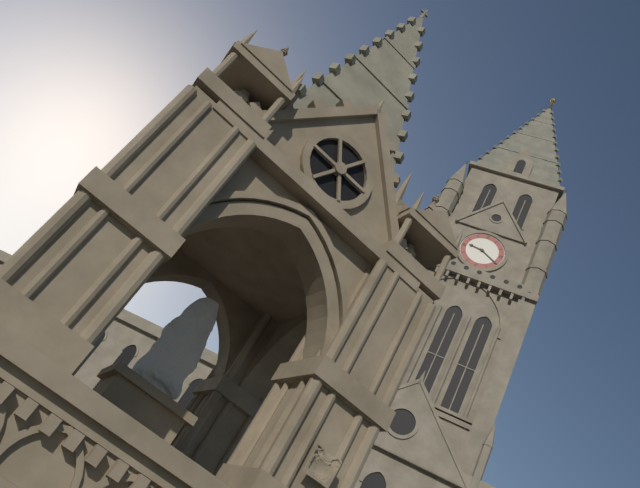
h=9 m=20
